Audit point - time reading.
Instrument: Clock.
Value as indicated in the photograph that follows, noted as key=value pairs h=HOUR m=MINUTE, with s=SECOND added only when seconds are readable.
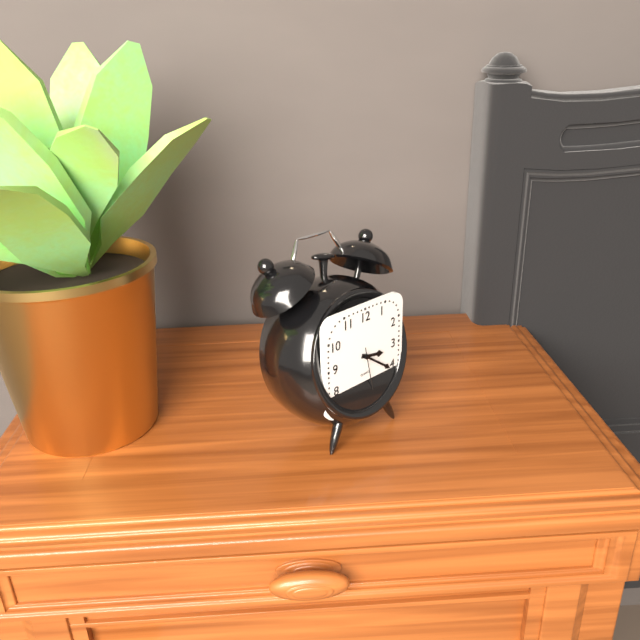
h=3 m=21
